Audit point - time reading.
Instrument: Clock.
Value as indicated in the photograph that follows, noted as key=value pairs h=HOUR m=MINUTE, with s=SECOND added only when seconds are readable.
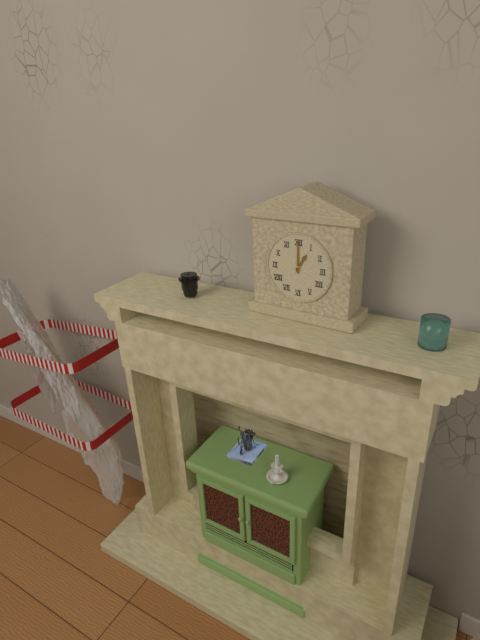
h=1 m=0
